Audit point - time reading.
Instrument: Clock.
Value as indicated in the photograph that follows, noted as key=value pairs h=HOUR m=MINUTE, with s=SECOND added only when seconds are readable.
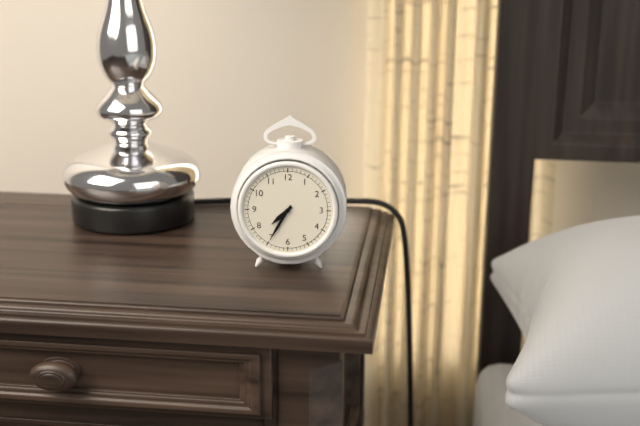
h=7 m=35
